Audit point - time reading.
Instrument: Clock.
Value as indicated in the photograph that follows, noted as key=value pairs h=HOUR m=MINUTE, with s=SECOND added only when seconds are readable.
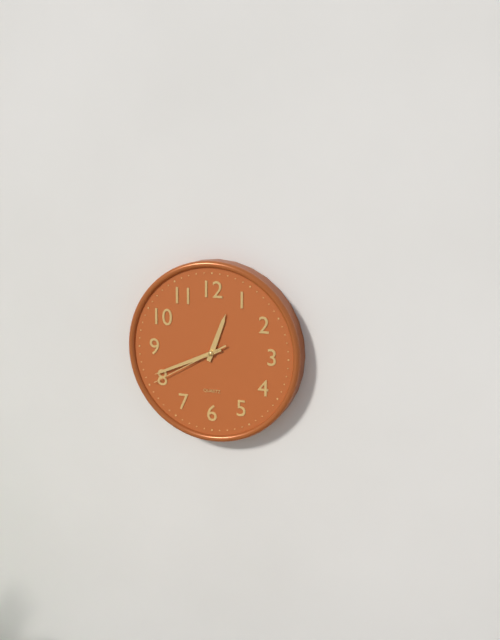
h=12 m=41 s=40
